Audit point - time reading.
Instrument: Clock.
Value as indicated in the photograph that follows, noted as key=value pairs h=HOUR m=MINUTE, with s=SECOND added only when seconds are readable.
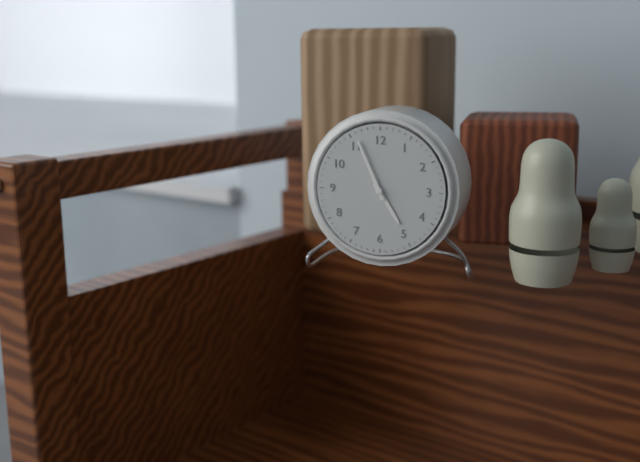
h=4 m=56
